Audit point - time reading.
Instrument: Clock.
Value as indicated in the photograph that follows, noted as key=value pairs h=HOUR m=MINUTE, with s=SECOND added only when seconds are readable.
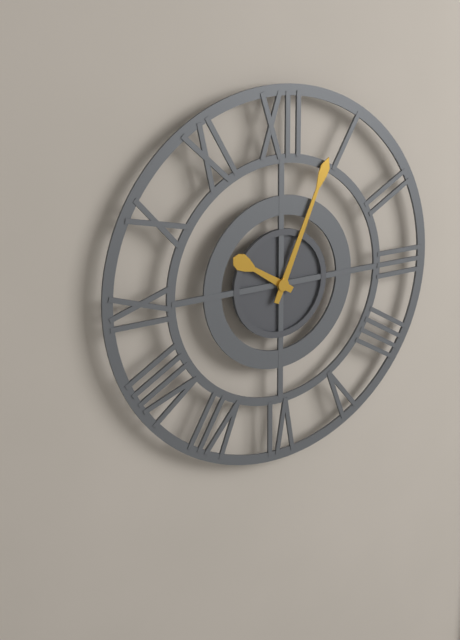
h=10 m=4
